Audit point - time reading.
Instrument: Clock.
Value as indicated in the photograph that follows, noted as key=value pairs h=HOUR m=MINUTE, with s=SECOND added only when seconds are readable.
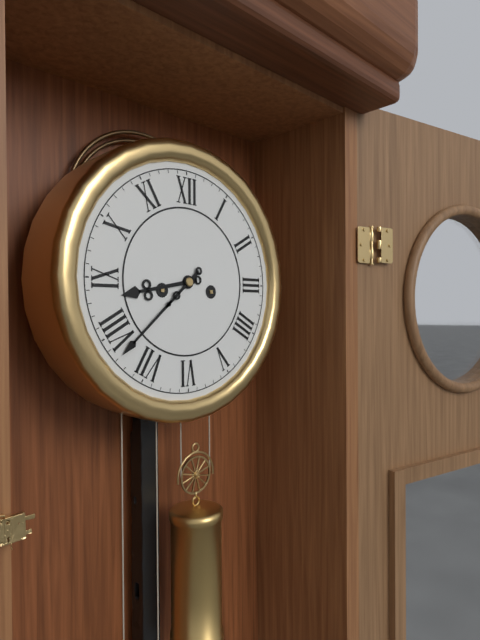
h=8 m=38
